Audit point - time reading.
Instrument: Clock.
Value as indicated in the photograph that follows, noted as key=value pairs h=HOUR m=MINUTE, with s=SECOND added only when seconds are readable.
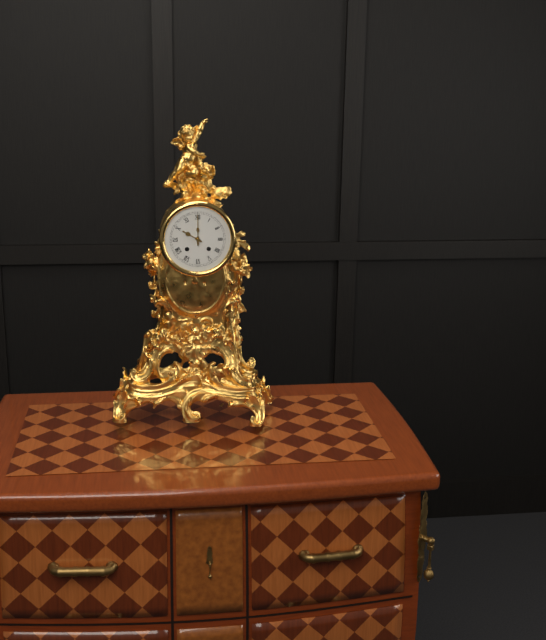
h=10 m=0
